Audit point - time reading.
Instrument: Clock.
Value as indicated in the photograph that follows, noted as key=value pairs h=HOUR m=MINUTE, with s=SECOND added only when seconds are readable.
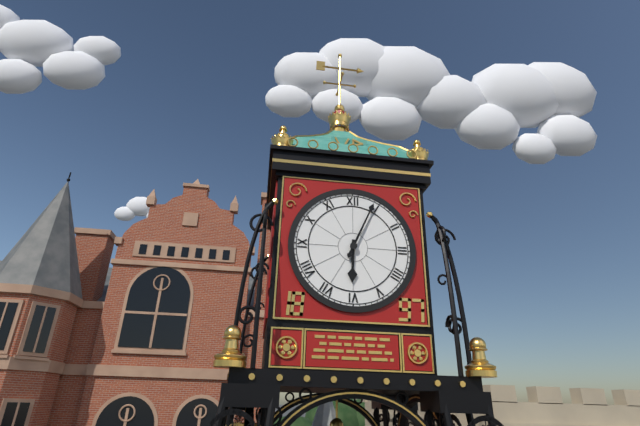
h=6 m=4
